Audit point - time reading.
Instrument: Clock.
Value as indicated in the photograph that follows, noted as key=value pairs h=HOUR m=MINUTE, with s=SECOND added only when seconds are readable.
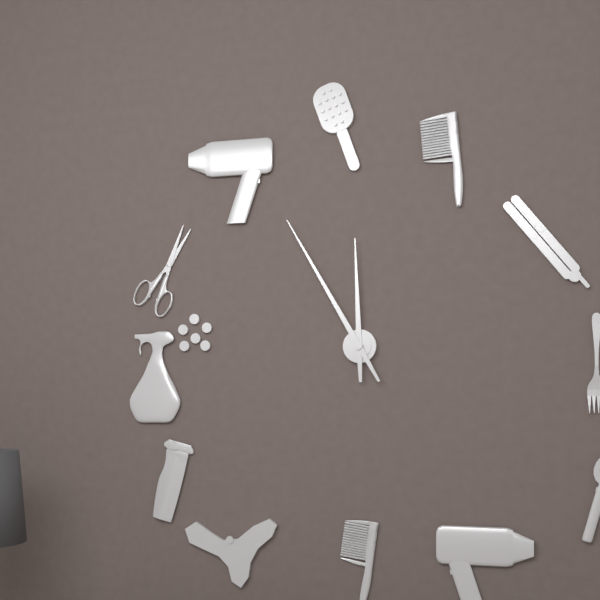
h=11 m=55
